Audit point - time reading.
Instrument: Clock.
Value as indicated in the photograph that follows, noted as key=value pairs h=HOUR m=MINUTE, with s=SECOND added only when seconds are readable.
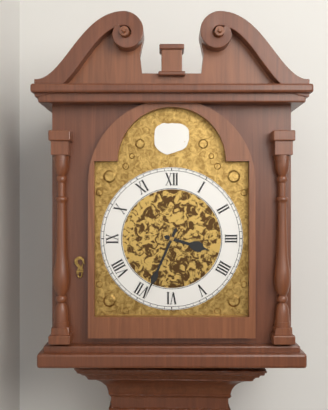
h=3 m=34
